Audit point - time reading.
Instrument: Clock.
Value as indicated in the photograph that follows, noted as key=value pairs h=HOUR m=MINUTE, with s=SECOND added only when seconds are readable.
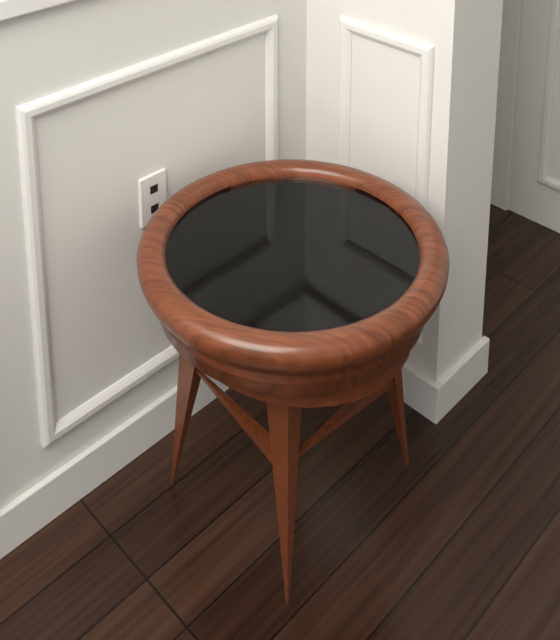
h=9 m=57
